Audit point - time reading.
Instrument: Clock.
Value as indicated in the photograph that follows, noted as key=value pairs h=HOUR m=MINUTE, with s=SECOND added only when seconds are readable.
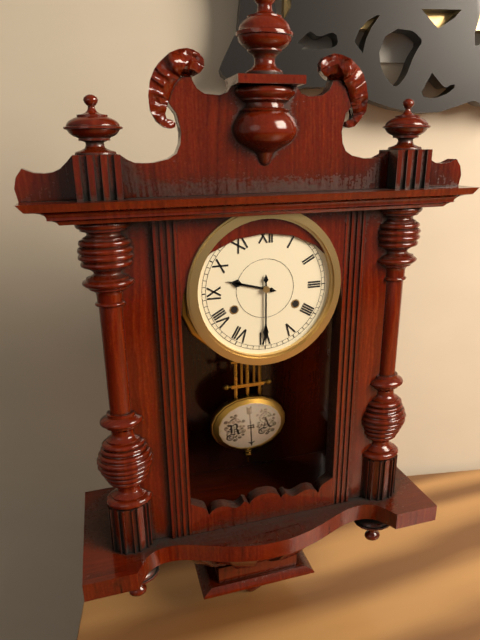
h=9 m=30
